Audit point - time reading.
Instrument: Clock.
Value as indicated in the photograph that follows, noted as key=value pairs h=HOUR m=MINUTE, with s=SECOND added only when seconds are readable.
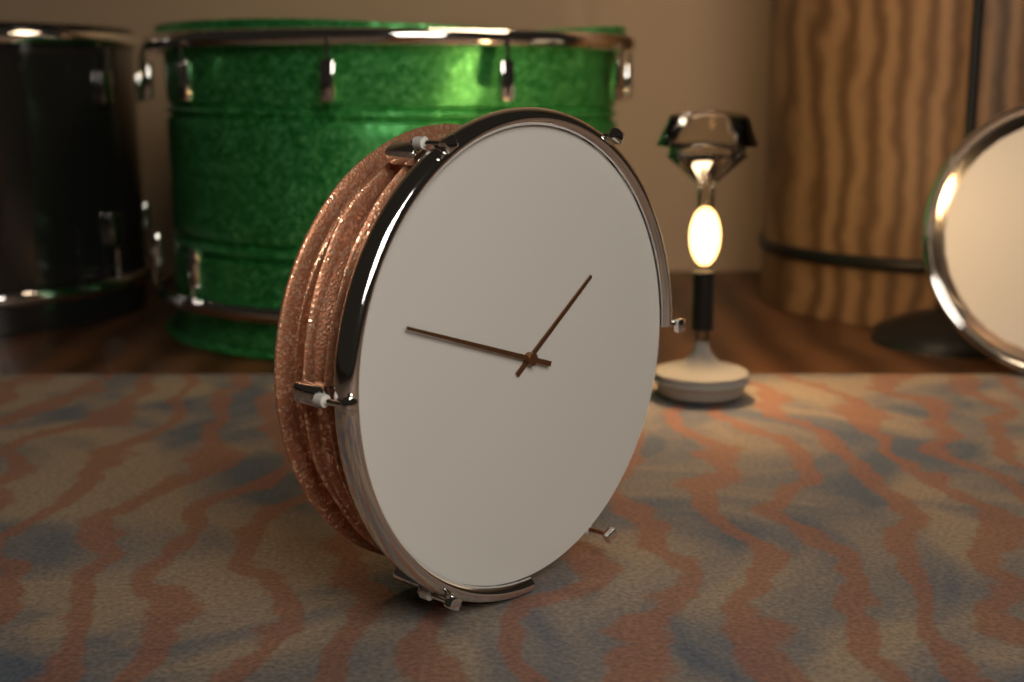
h=1 m=48
